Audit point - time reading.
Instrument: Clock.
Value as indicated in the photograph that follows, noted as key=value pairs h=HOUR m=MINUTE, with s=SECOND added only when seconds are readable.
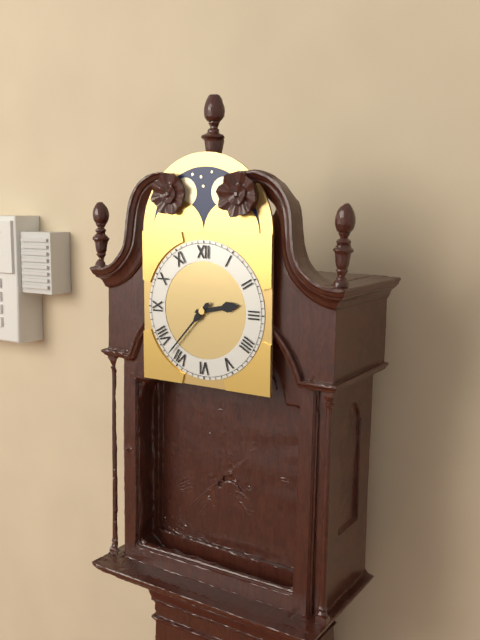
h=2 m=37
